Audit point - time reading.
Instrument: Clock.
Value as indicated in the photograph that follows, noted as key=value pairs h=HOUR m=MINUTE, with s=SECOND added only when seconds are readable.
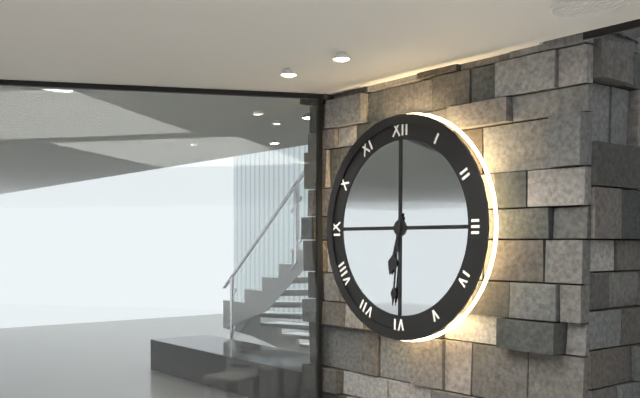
h=6 m=31
